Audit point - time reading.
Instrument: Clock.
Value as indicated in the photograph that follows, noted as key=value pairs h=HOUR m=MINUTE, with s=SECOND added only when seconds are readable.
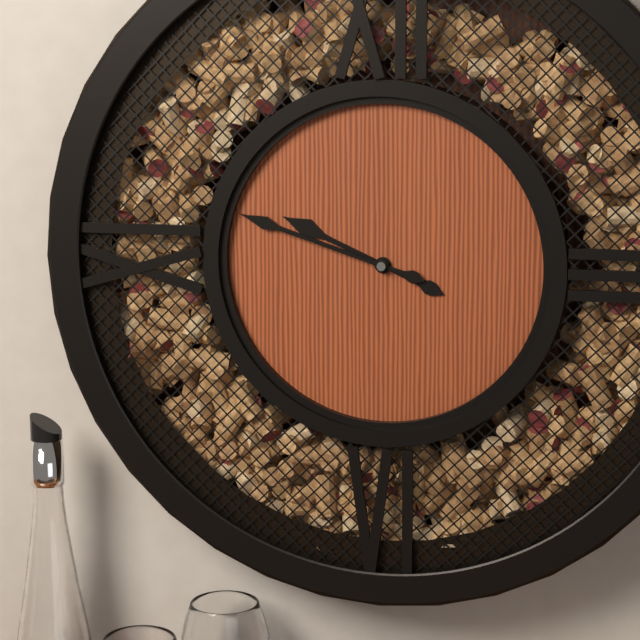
h=9 m=48
